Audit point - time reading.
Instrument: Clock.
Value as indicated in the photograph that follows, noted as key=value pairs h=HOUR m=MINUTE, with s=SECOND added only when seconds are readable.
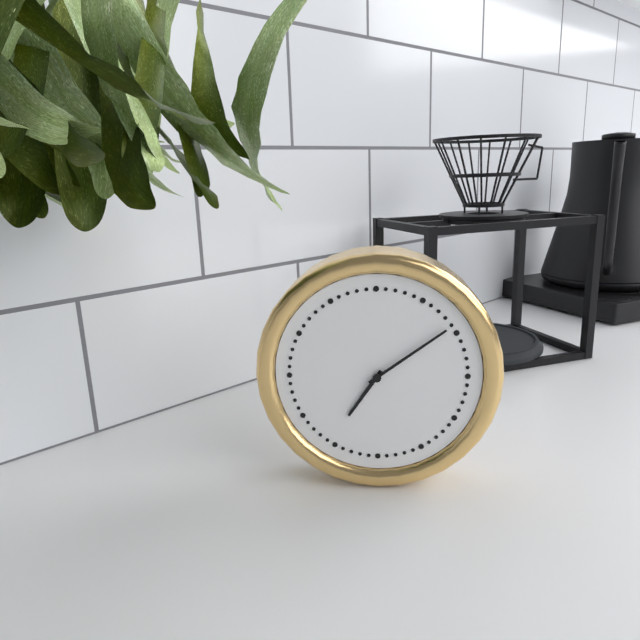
h=7 m=9
